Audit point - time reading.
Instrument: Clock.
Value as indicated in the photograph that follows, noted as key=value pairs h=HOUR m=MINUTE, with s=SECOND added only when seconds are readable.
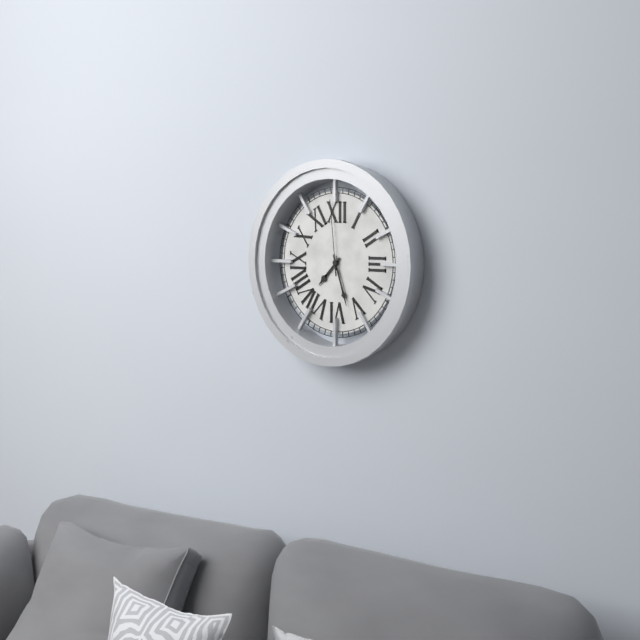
h=7 m=27 s=59
